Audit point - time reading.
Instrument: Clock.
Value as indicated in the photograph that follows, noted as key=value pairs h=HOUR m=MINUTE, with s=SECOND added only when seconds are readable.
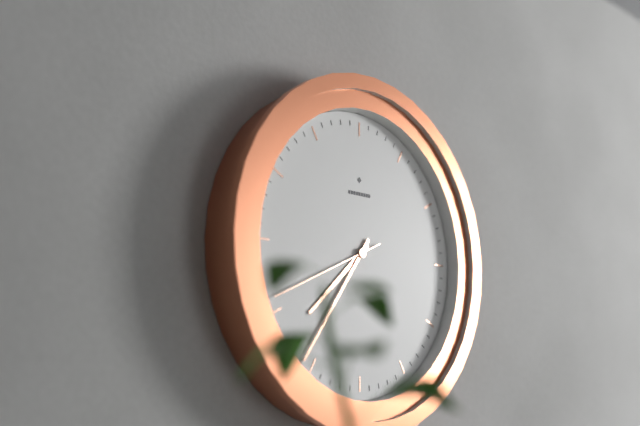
h=7 m=36 s=41
